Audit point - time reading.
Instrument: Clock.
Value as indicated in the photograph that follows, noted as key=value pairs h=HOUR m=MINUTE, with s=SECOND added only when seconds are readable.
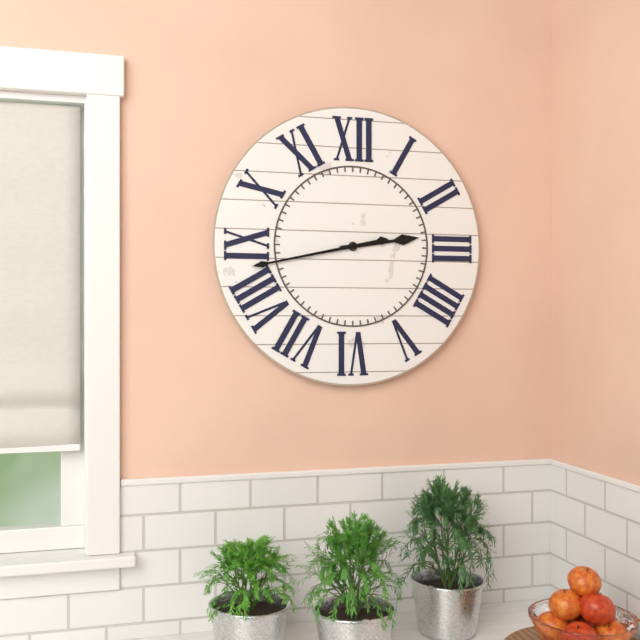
h=2 m=43
